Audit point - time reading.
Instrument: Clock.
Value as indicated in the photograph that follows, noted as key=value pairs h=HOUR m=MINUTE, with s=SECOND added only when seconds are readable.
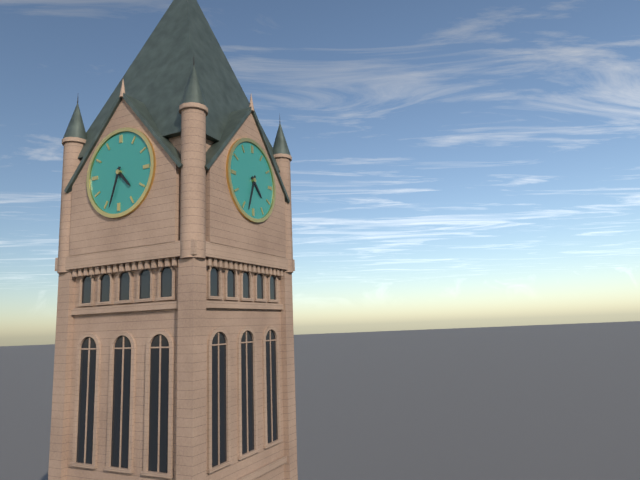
h=4 m=33
